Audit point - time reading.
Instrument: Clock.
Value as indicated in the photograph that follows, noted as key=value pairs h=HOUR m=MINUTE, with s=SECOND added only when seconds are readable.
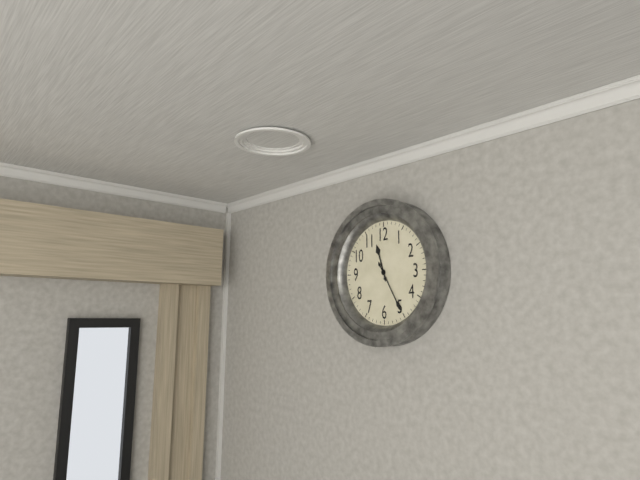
h=11 m=25
